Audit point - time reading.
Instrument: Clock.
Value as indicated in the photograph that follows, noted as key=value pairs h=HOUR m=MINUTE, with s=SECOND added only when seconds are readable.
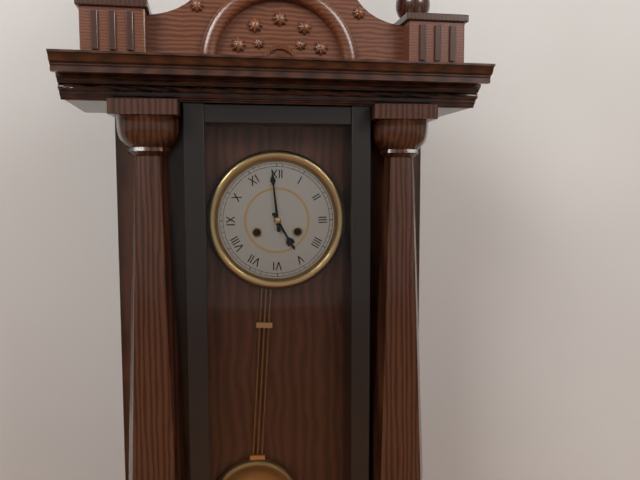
h=4 m=59
